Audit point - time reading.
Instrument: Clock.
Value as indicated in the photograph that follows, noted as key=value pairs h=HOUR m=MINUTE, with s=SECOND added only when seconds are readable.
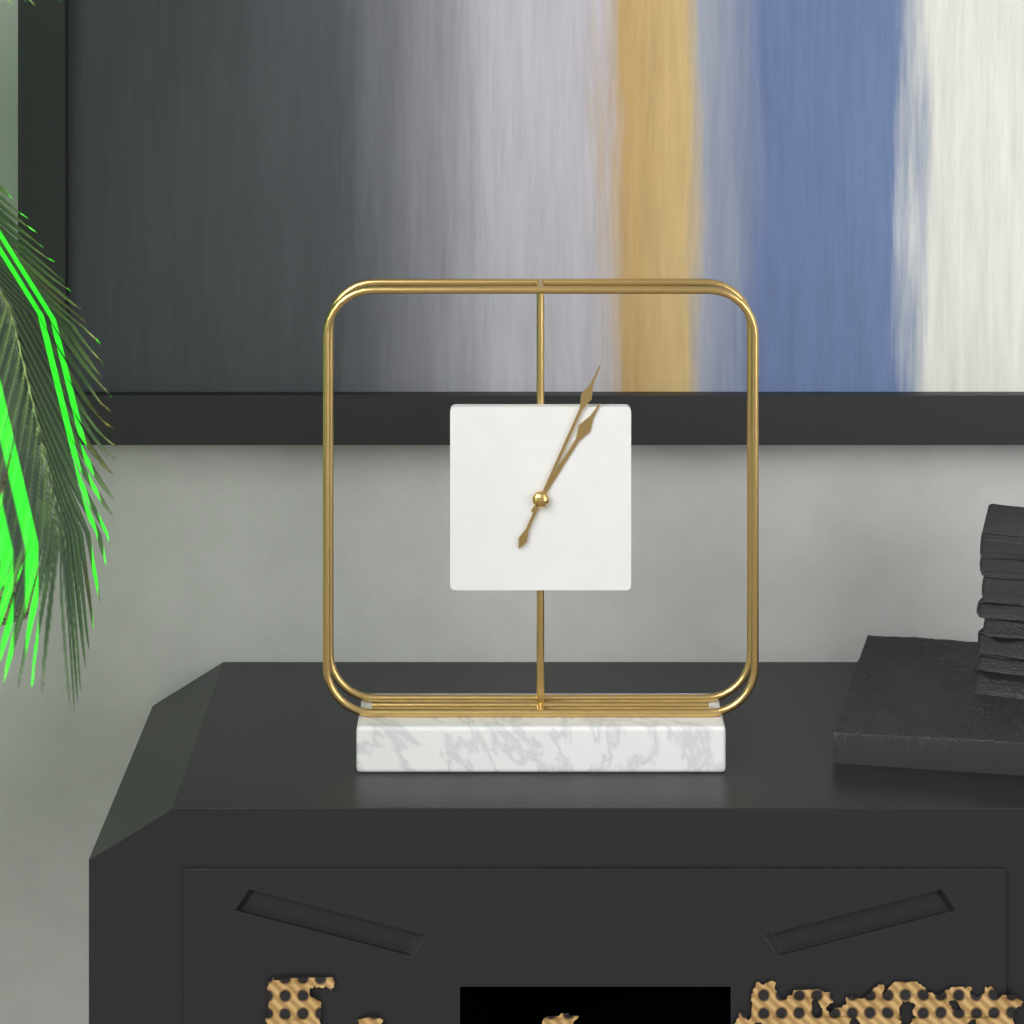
h=1 m=4
